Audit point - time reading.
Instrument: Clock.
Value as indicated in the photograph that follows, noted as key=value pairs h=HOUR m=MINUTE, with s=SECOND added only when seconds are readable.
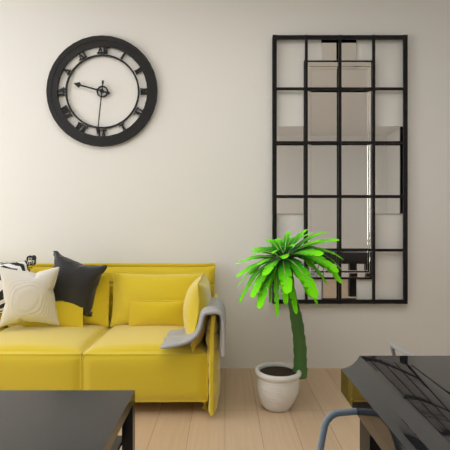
h=9 m=31
